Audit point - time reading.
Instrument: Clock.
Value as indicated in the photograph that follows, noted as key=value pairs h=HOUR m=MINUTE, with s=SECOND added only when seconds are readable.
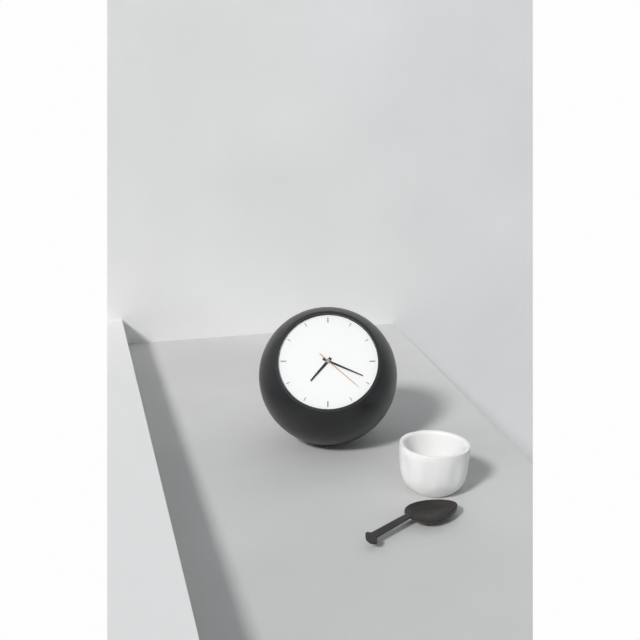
h=7 m=19
